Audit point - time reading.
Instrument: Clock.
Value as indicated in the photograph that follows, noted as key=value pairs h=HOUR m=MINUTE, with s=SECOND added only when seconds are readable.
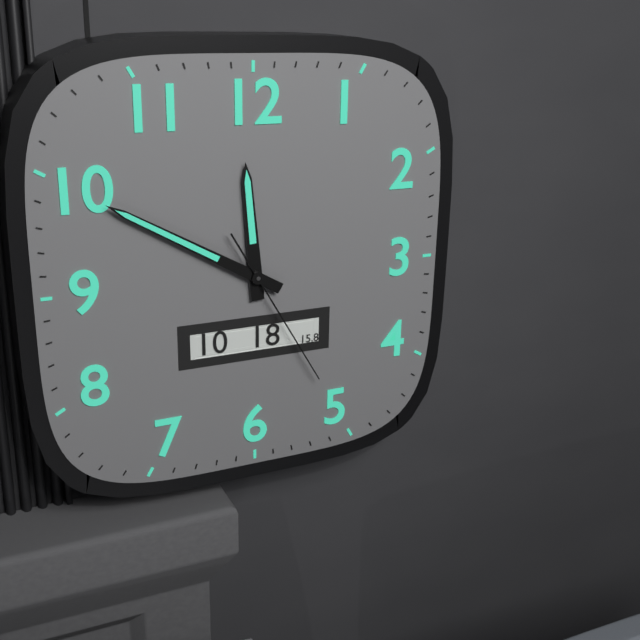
h=11 m=50 s=25
